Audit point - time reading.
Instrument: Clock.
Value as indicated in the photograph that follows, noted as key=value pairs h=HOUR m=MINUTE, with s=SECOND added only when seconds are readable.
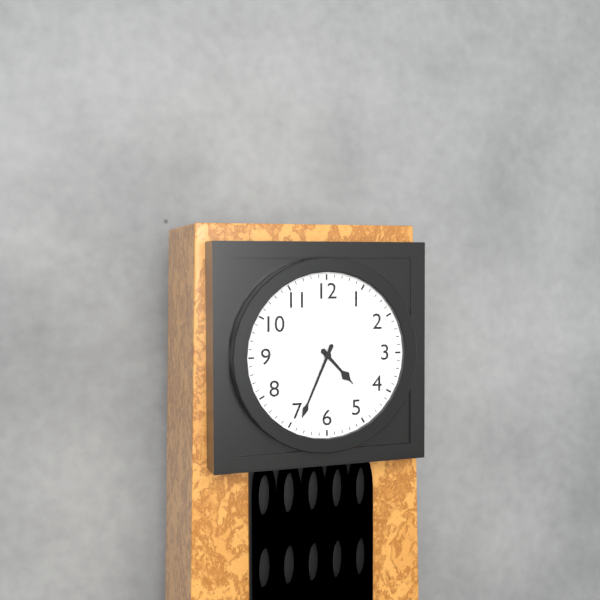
h=4 m=34
